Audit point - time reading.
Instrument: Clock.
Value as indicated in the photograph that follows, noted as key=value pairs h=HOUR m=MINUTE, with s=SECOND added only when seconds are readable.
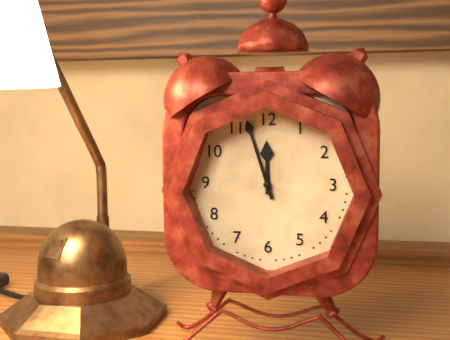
h=11 m=57
